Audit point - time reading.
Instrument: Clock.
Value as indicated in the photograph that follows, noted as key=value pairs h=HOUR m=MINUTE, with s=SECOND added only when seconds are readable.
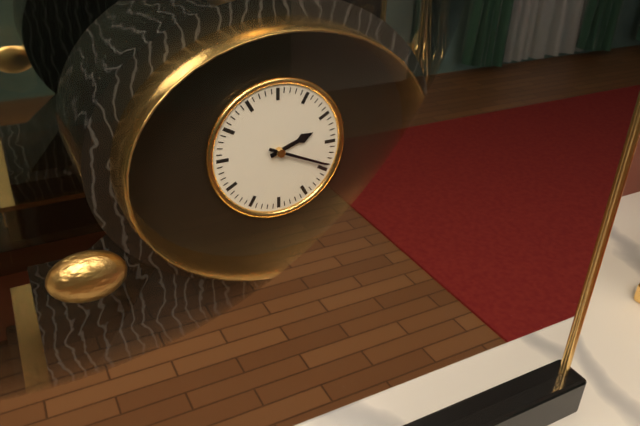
h=2 m=19
